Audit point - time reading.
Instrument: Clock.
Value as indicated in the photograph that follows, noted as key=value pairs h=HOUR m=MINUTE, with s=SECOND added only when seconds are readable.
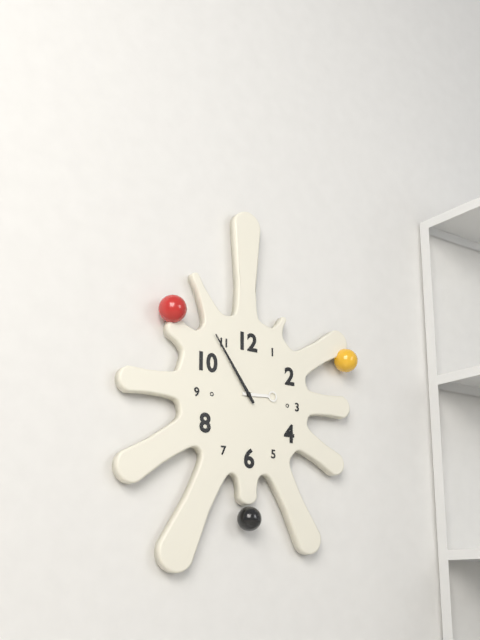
h=2 m=54
